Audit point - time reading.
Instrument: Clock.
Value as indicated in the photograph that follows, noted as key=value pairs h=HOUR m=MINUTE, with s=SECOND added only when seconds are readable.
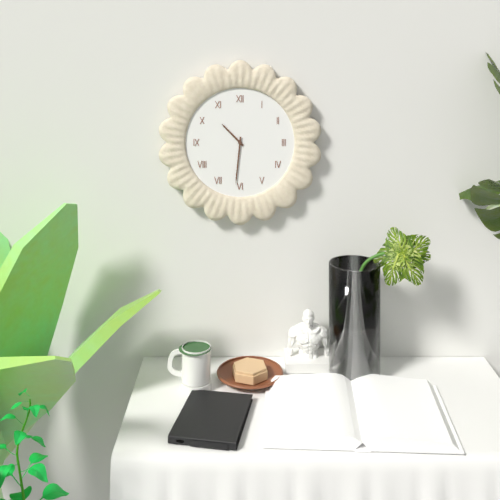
h=10 m=31
